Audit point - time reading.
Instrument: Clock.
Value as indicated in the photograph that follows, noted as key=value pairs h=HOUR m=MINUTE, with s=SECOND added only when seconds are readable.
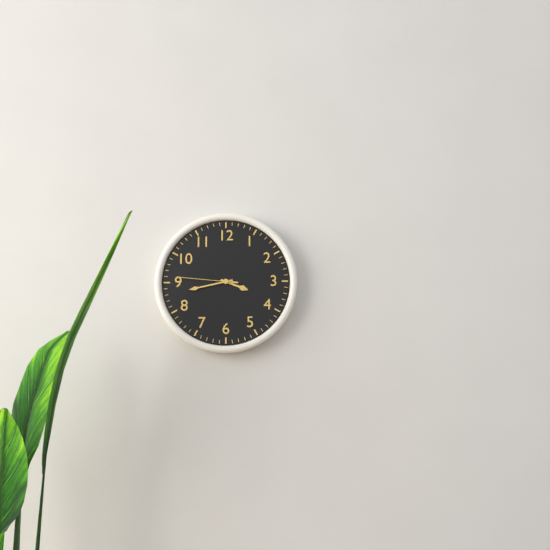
h=3 m=43 s=46
